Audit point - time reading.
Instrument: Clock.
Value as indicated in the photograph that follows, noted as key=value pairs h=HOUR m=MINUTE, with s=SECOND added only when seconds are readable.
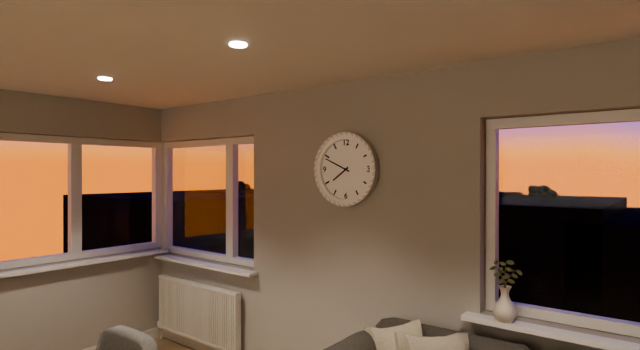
h=7 m=49
